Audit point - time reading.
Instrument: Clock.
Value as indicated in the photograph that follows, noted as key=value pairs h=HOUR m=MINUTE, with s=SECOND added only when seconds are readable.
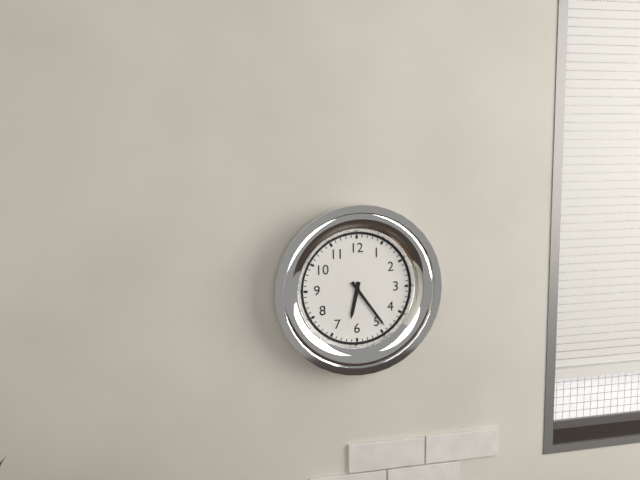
h=6 m=24
